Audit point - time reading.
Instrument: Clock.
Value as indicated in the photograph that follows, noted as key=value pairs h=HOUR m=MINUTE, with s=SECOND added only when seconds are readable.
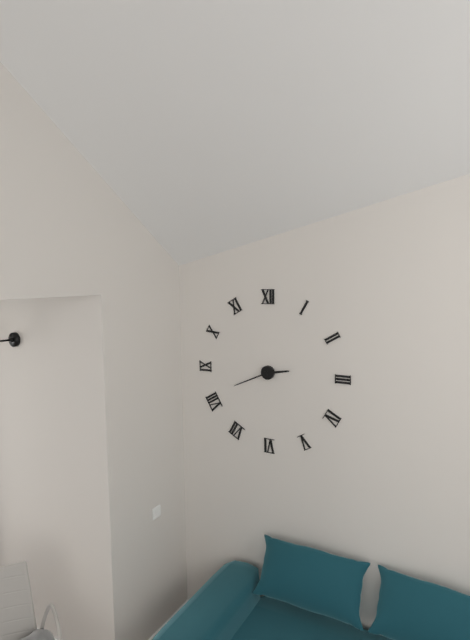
h=2 m=41
